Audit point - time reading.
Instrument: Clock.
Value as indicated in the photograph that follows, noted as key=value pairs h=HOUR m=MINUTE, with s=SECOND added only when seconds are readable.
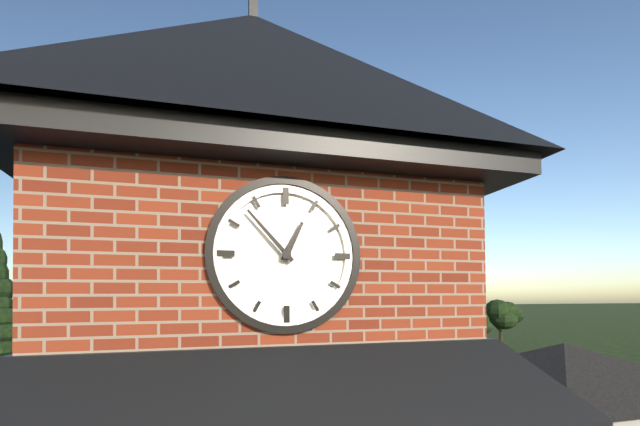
h=12 m=53
